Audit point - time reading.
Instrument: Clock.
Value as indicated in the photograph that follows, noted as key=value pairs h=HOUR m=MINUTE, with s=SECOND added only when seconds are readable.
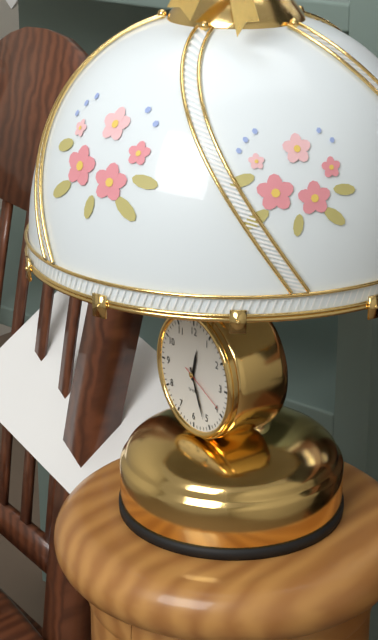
h=12 m=26 s=19
